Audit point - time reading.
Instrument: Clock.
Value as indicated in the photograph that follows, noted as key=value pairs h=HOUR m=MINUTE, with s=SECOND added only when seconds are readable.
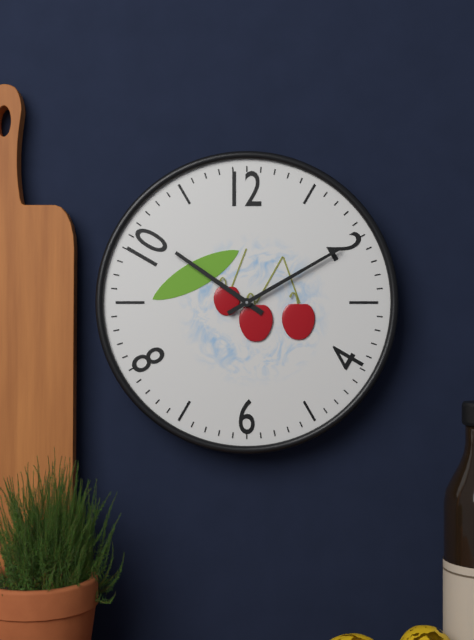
h=10 m=10
